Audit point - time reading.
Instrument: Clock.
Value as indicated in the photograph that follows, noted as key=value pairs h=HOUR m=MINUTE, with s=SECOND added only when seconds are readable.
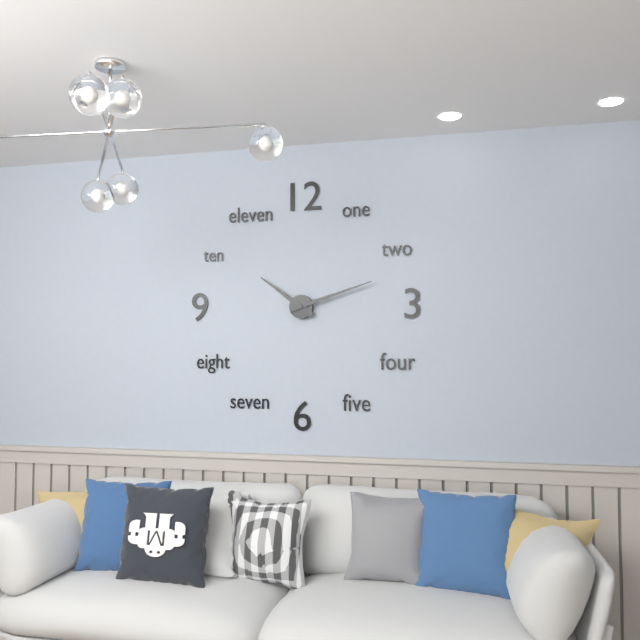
h=10 m=12
